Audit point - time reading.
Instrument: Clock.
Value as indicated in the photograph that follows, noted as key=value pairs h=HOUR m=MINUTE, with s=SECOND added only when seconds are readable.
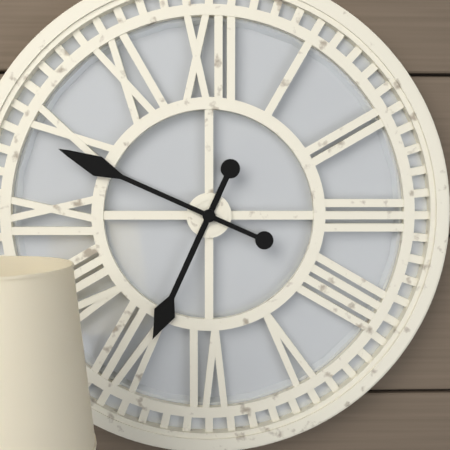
h=6 m=49
